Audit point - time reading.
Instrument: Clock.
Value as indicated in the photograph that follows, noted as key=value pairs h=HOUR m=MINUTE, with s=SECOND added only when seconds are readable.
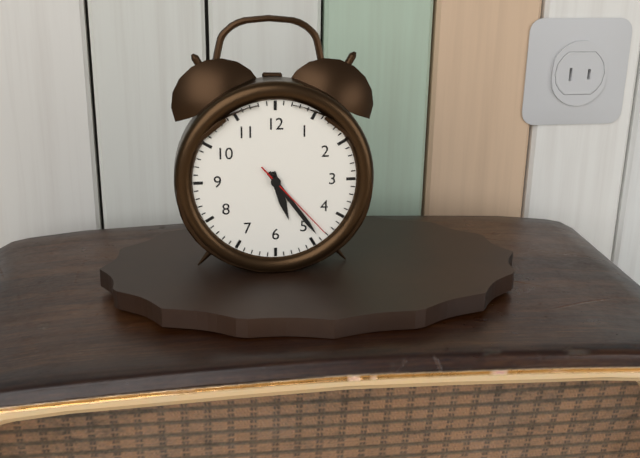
h=5 m=24 s=23
